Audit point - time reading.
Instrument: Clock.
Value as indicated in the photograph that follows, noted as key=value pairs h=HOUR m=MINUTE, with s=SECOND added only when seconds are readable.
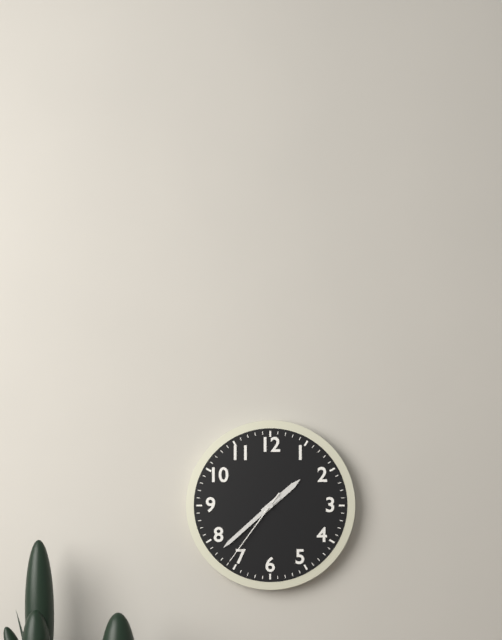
h=1 m=38 s=36
